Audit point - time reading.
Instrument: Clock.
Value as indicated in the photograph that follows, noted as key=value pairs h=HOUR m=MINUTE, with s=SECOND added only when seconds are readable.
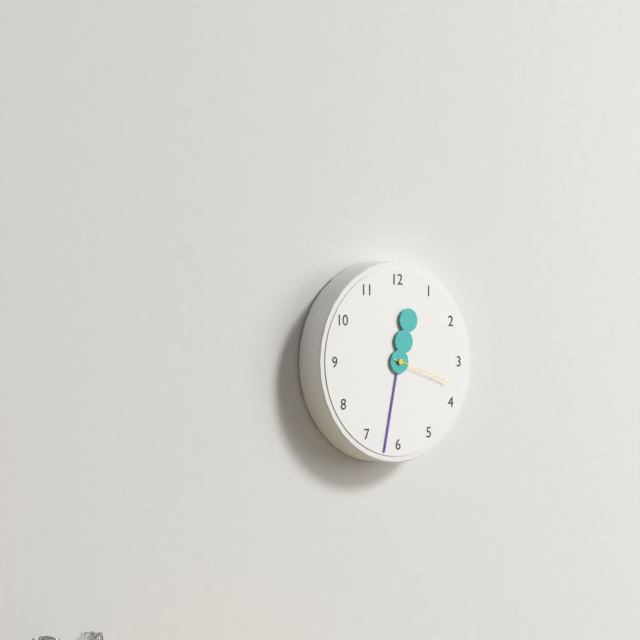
h=12 m=32 s=18
